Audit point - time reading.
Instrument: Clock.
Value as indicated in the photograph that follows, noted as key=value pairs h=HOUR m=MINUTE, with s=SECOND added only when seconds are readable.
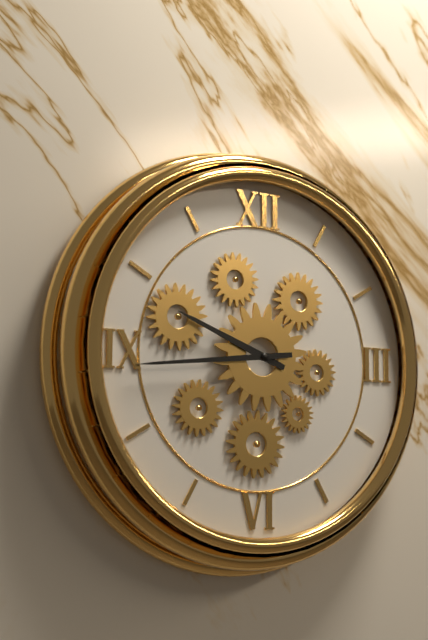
h=9 m=44
